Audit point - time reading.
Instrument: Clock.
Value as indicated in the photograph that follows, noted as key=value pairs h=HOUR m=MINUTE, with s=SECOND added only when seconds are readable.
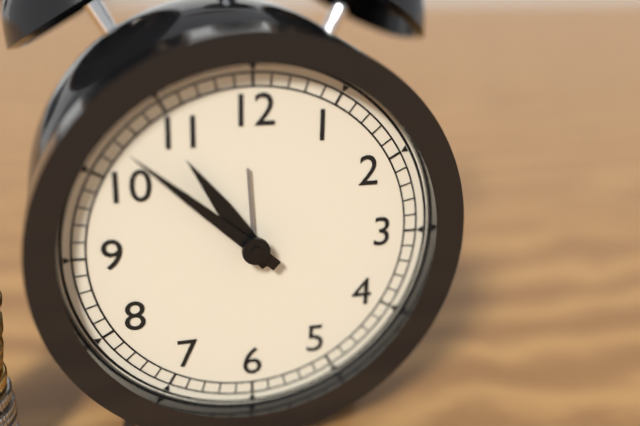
h=10 m=52
